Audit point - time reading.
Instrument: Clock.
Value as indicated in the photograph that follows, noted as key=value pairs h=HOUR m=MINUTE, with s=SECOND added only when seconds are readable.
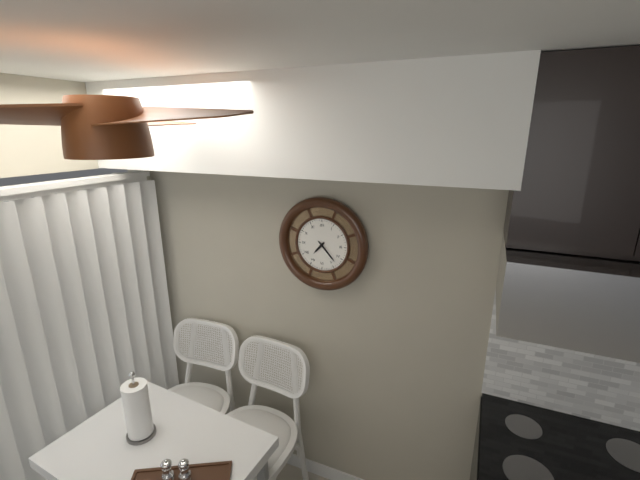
h=7 m=23
